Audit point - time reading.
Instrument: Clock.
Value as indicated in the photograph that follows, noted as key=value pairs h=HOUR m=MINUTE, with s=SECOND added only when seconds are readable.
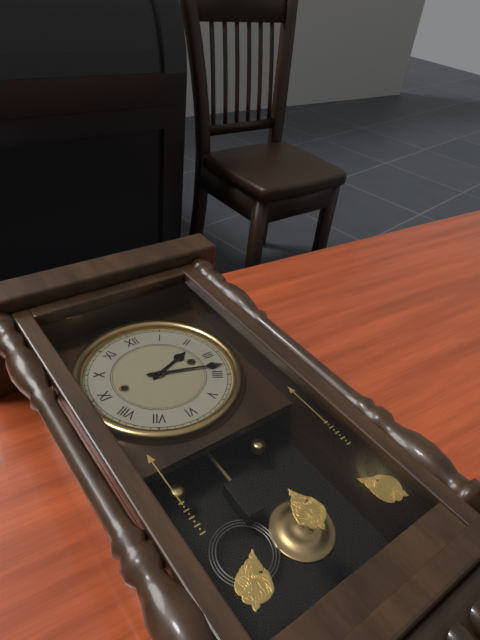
h=2 m=18
